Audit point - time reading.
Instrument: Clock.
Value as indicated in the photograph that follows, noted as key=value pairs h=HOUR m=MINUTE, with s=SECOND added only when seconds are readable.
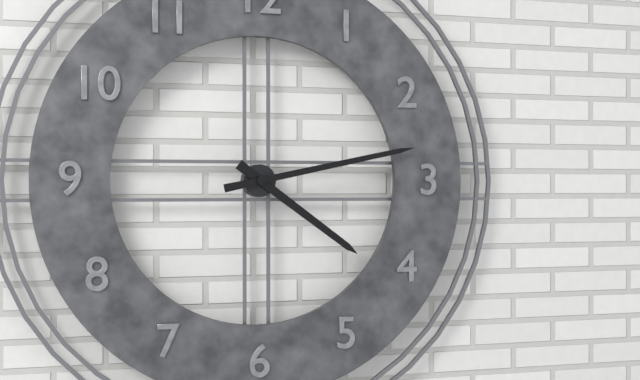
h=4 m=13
